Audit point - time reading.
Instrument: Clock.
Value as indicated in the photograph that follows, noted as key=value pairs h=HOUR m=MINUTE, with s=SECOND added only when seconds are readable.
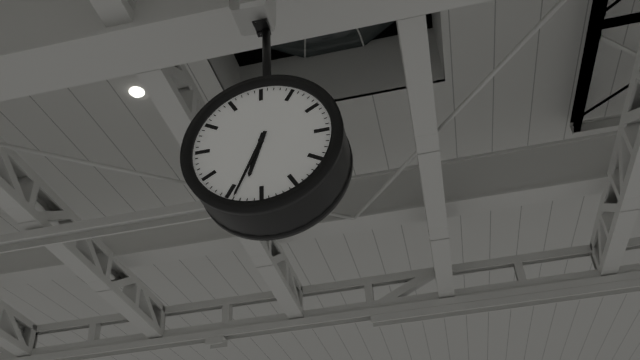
h=6 m=34
